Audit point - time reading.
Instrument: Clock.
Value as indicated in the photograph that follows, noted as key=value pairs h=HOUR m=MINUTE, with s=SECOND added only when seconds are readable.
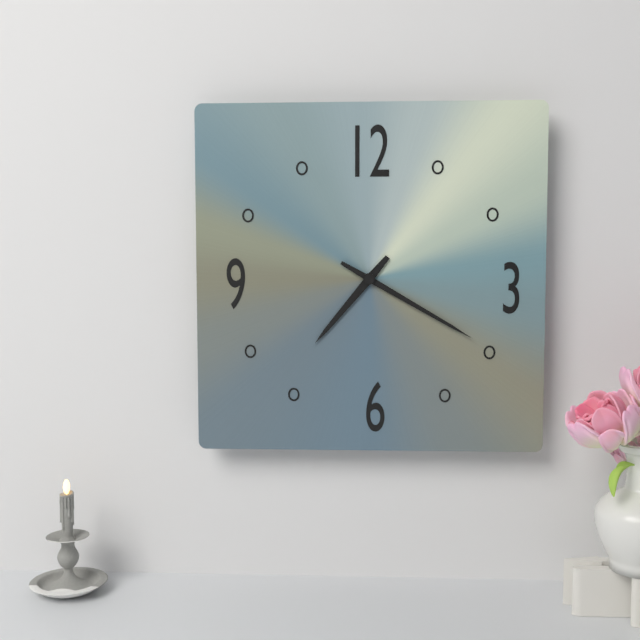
h=7 m=20
